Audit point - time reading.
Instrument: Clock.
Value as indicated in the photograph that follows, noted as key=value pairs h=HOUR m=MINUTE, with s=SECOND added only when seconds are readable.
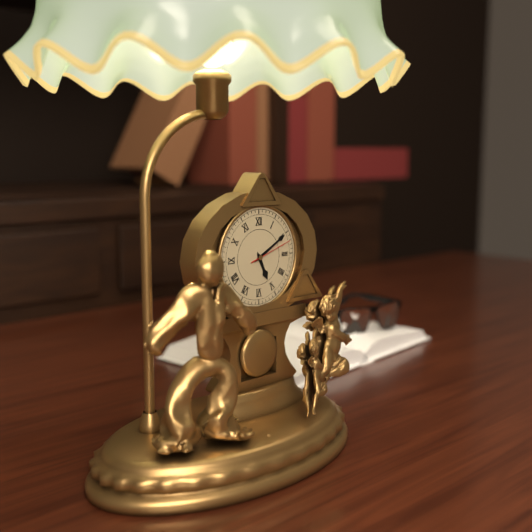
h=5 m=10
